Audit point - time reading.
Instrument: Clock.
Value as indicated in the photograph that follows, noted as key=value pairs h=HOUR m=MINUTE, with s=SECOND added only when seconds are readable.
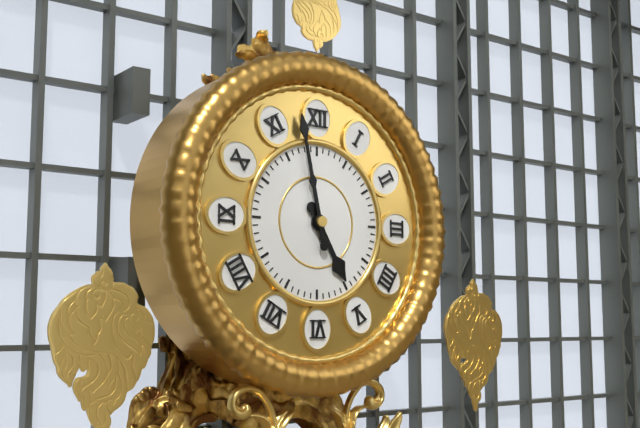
h=4 m=58
